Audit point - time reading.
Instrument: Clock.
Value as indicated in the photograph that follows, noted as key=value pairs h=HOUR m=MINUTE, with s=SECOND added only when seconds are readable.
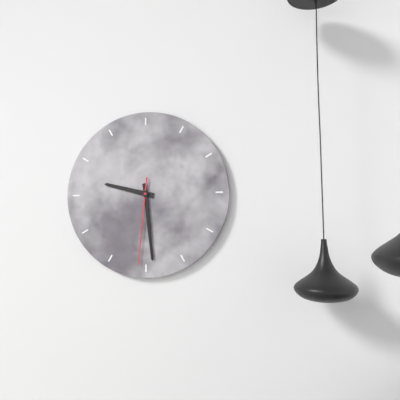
h=9 m=29 s=31
